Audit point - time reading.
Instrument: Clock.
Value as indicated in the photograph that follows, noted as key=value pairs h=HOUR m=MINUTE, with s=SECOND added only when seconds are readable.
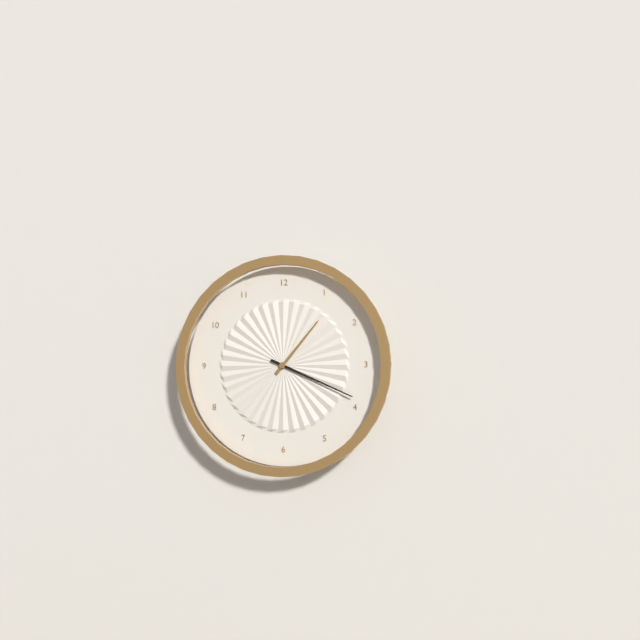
h=1 m=19
